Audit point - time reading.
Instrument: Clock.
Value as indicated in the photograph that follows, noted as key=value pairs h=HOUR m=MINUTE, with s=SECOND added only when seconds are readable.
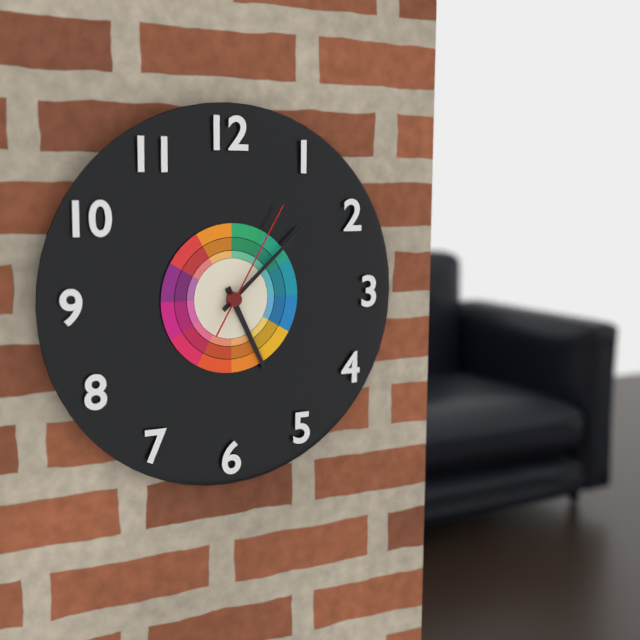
h=5 m=8 s=5
